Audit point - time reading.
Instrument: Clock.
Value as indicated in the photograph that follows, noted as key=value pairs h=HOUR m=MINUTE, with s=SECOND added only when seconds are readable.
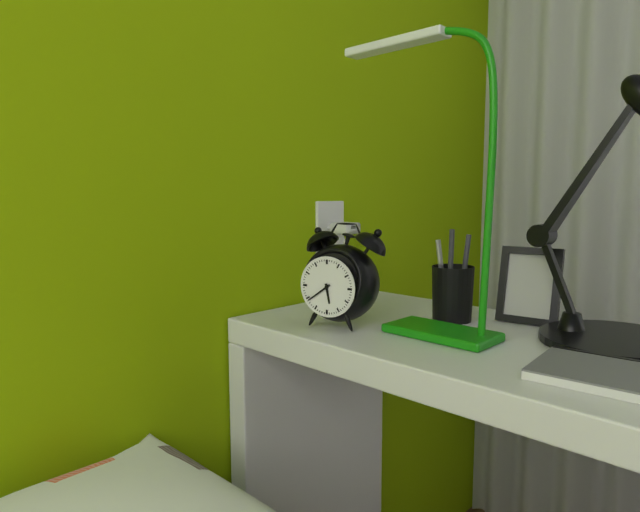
h=5 m=39
